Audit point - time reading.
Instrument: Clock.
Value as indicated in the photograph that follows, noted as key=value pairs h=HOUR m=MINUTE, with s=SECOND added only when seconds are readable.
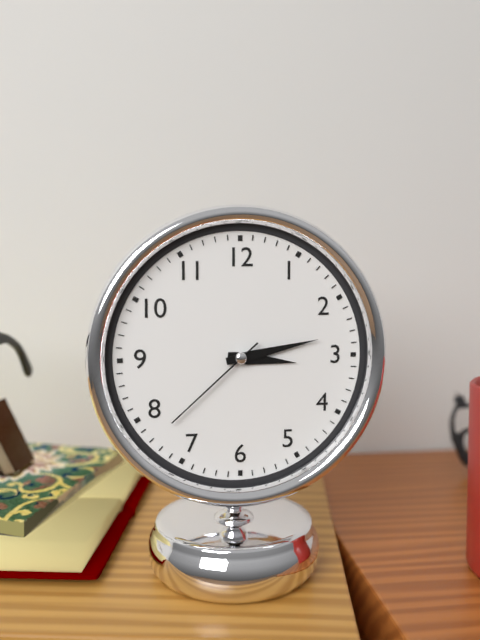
h=3 m=13 s=38
